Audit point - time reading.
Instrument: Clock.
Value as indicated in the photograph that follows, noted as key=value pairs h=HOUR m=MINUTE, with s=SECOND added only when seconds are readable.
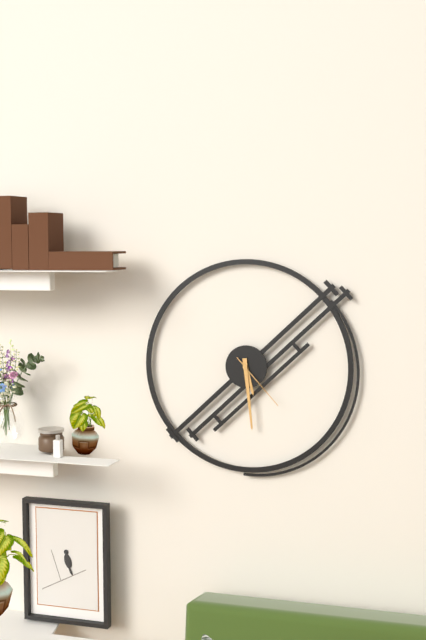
h=5 m=29 s=23
